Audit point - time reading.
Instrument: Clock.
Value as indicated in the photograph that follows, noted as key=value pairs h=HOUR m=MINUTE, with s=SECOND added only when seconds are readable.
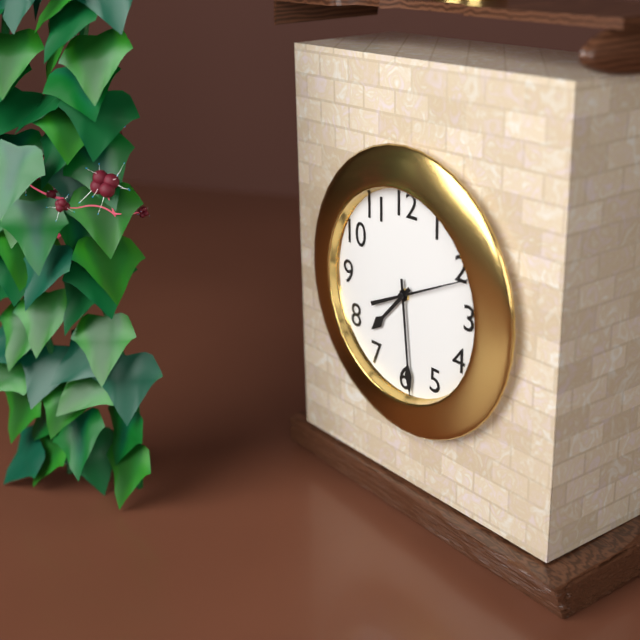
h=7 m=29 s=11
